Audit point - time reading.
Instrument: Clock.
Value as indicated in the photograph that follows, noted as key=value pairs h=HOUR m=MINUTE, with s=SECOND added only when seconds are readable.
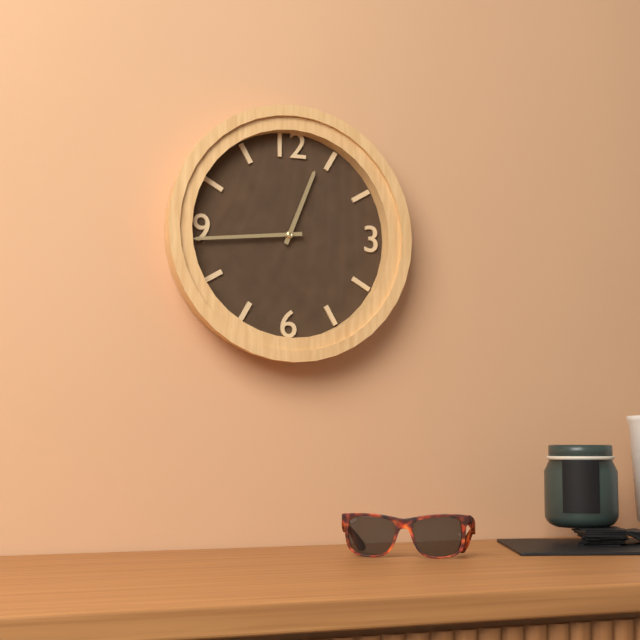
h=12 m=44
